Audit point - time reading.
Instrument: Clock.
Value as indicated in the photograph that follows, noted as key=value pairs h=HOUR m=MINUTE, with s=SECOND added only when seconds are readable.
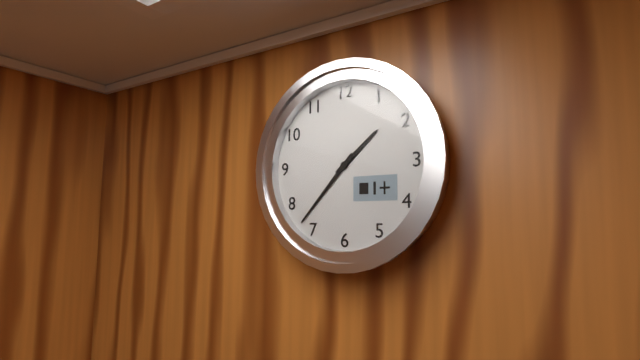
h=1 m=37
